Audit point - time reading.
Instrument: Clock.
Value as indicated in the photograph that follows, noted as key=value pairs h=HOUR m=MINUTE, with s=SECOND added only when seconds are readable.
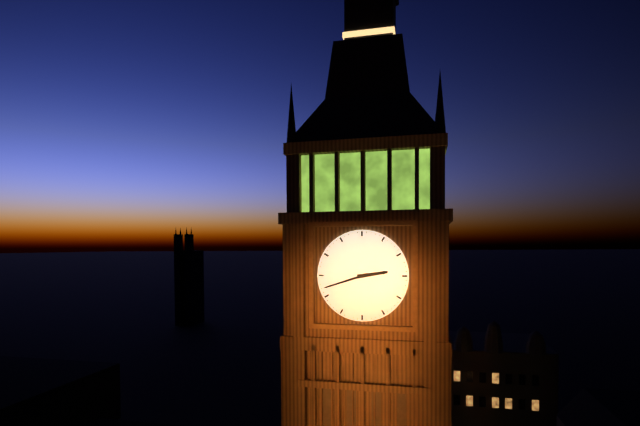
h=2 m=42
